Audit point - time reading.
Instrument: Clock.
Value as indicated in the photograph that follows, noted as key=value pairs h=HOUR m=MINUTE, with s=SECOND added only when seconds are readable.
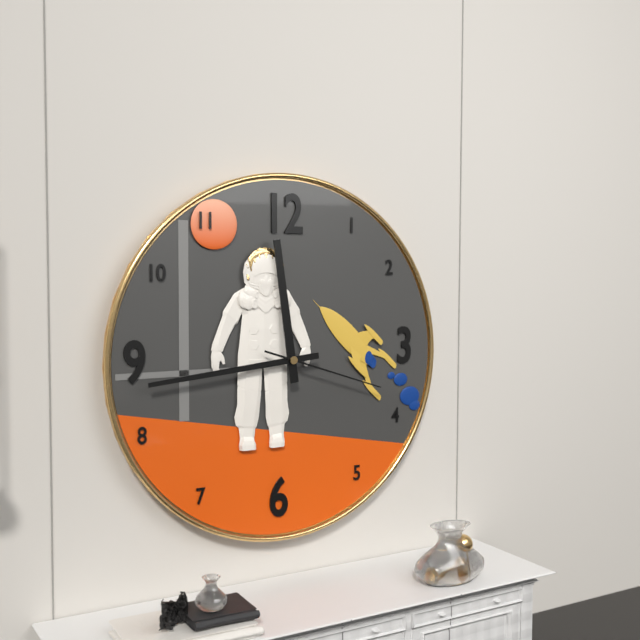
h=11 m=44 s=18
